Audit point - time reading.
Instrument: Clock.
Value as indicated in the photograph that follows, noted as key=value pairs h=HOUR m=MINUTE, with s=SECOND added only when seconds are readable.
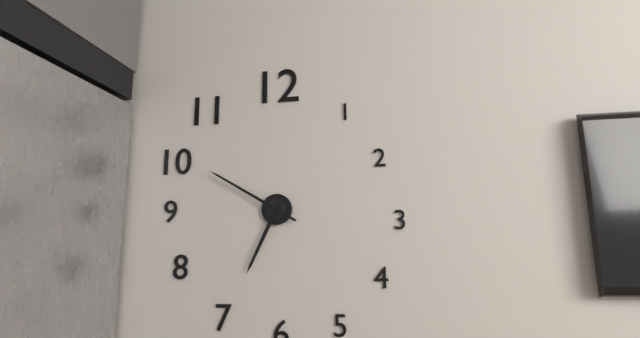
h=6 m=50
